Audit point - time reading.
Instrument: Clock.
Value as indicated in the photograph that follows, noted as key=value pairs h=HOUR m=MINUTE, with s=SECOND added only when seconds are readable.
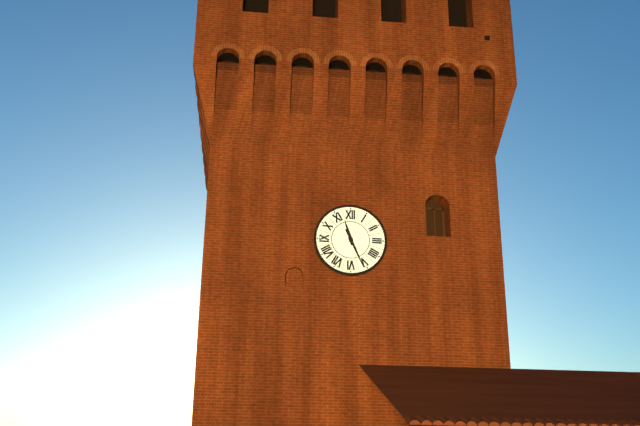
h=11 m=26
